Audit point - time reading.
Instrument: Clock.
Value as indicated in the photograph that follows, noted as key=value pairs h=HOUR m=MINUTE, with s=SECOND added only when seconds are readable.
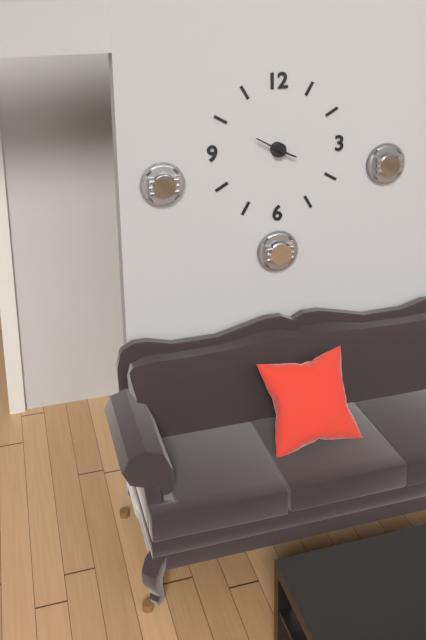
h=3 m=50
